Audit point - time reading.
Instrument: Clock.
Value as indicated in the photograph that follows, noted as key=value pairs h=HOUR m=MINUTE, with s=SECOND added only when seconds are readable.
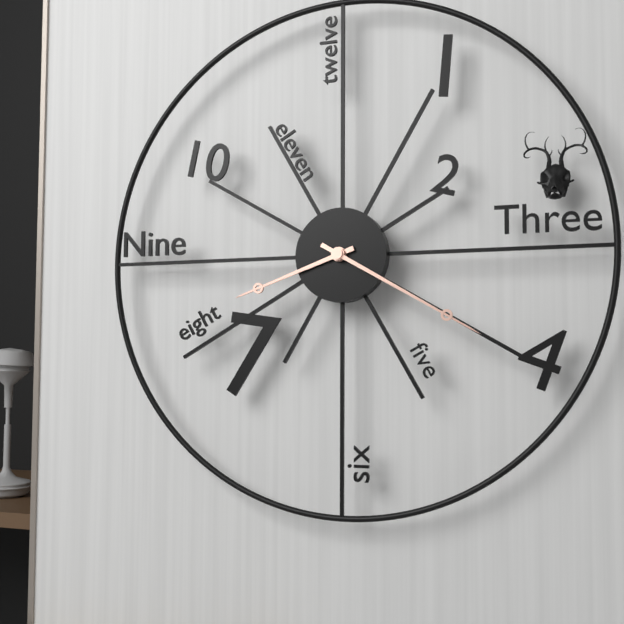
h=8 m=20
